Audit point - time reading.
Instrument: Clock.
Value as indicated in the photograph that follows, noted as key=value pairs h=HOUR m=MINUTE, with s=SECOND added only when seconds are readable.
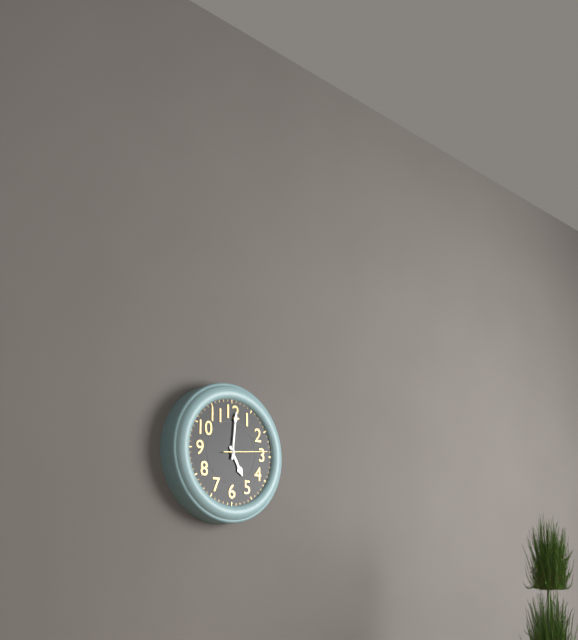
h=5 m=1
